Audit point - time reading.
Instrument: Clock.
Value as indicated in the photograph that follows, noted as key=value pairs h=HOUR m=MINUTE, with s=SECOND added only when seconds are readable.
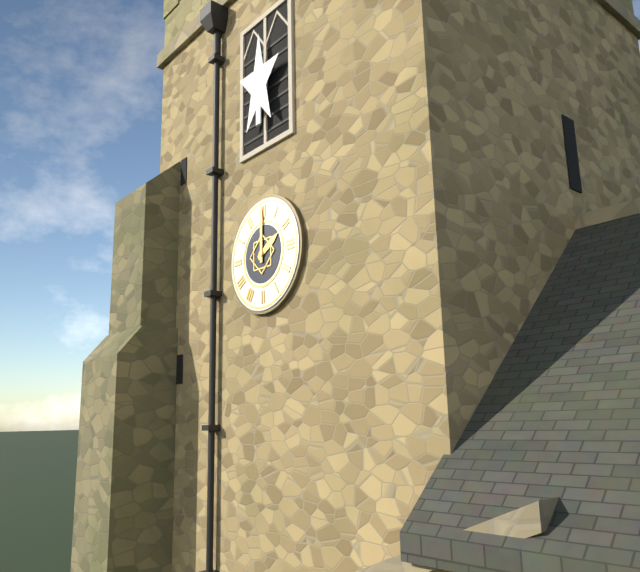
h=2 m=0
